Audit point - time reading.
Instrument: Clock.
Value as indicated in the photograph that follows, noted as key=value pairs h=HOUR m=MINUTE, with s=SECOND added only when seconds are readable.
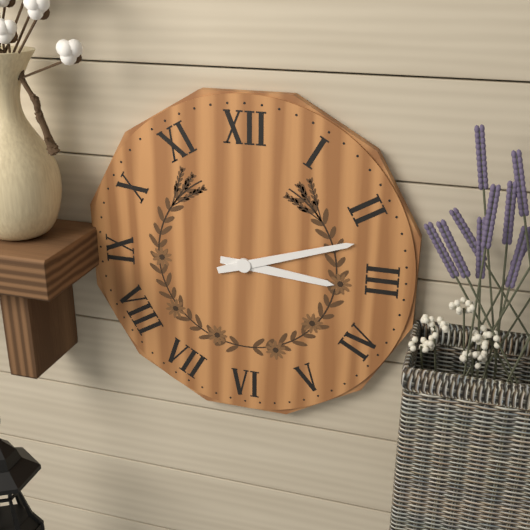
h=3 m=12
